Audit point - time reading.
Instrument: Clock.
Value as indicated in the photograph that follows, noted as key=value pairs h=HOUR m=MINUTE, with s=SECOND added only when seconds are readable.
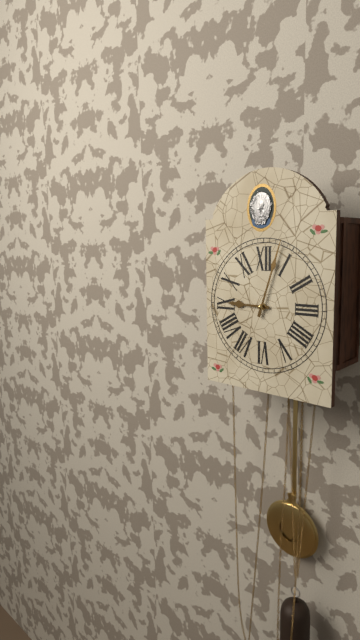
h=9 m=3
